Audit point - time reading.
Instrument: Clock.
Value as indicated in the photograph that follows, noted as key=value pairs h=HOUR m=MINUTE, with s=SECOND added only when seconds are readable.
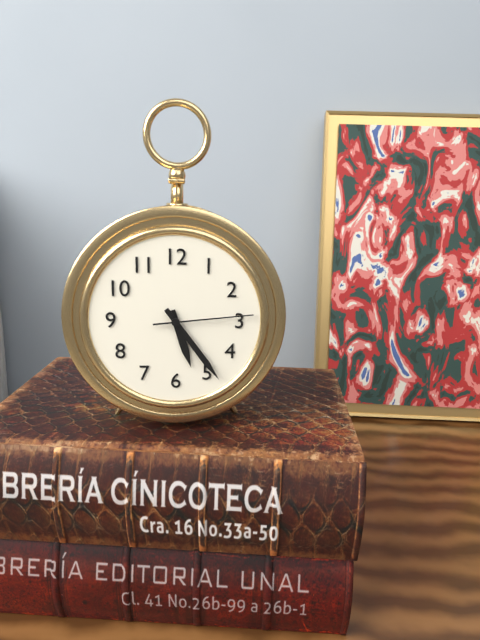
h=5 m=24 s=14
